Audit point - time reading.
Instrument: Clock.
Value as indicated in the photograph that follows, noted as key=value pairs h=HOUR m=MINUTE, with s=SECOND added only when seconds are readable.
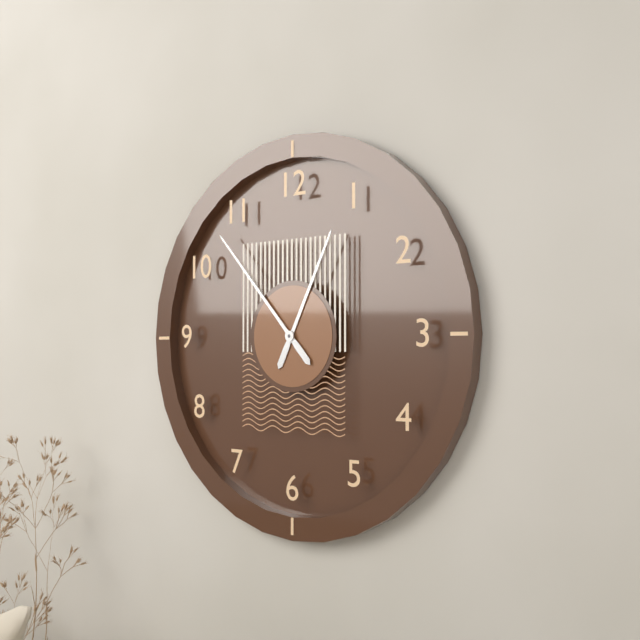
h=12 m=53
